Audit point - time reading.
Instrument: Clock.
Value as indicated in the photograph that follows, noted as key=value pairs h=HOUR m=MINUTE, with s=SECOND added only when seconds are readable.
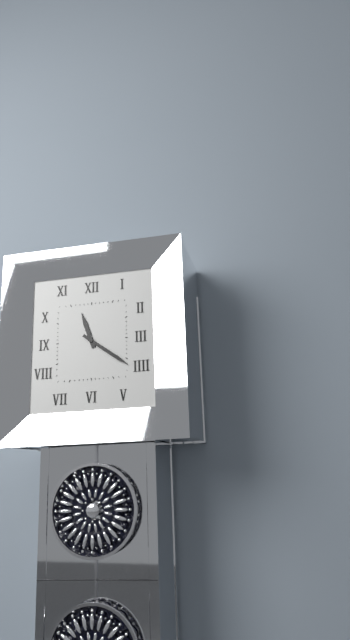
h=11 m=21
